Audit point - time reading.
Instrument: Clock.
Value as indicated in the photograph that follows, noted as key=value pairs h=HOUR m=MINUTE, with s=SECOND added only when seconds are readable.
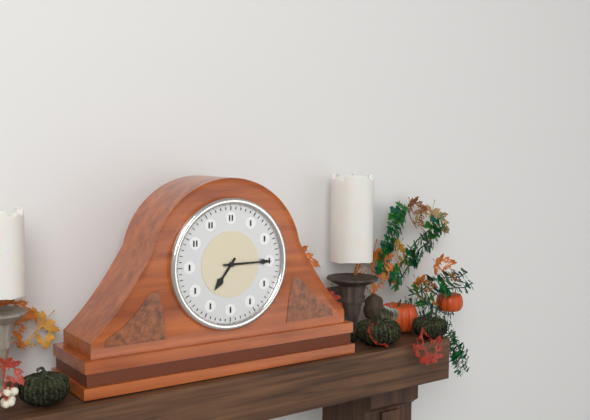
h=7 m=15
